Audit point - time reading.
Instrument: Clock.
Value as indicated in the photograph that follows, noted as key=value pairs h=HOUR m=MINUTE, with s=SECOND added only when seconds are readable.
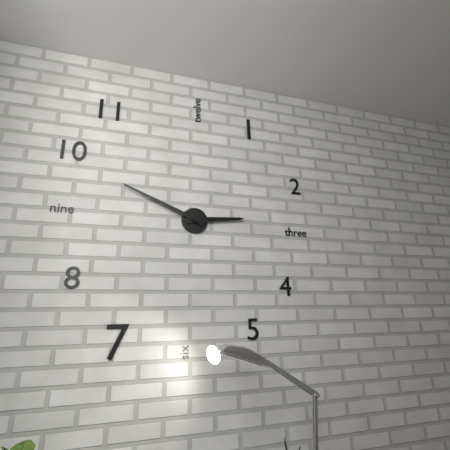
h=2 m=49
